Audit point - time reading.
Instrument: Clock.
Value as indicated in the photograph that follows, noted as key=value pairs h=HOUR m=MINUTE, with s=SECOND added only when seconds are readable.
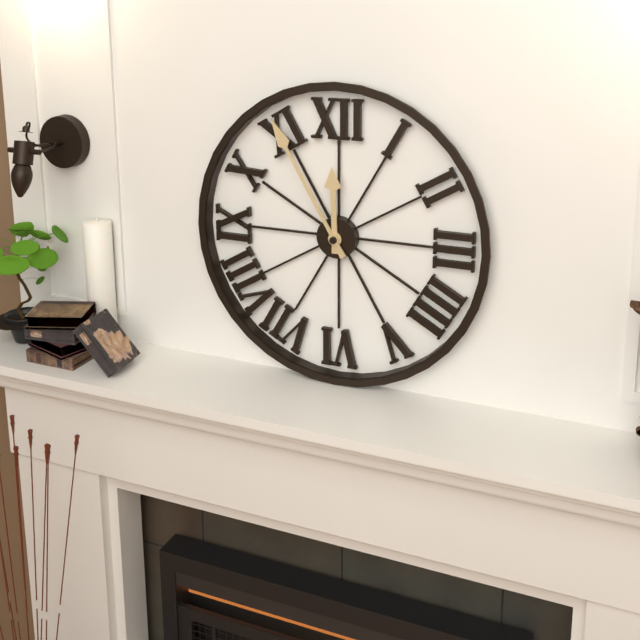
h=11 m=55
